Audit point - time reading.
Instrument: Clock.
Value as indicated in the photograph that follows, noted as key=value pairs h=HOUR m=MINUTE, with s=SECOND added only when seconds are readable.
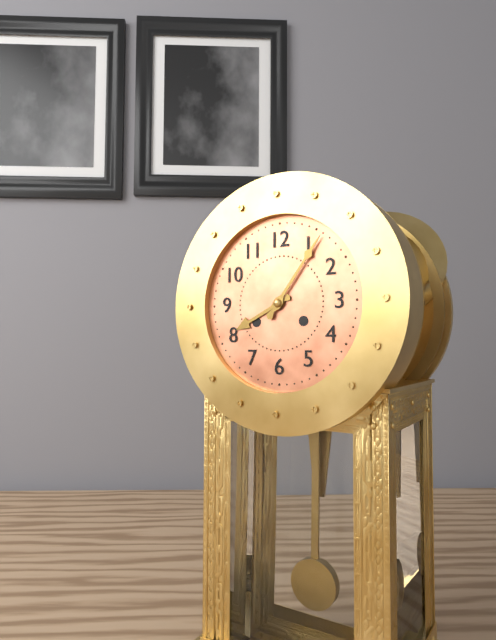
h=8 m=6
